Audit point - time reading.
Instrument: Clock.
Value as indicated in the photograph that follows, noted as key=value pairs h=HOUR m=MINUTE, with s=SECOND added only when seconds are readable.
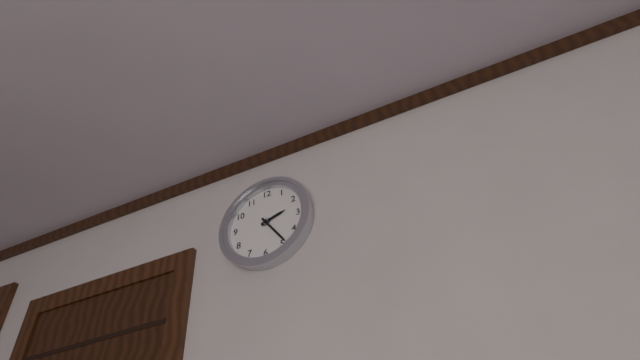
h=2 m=24
